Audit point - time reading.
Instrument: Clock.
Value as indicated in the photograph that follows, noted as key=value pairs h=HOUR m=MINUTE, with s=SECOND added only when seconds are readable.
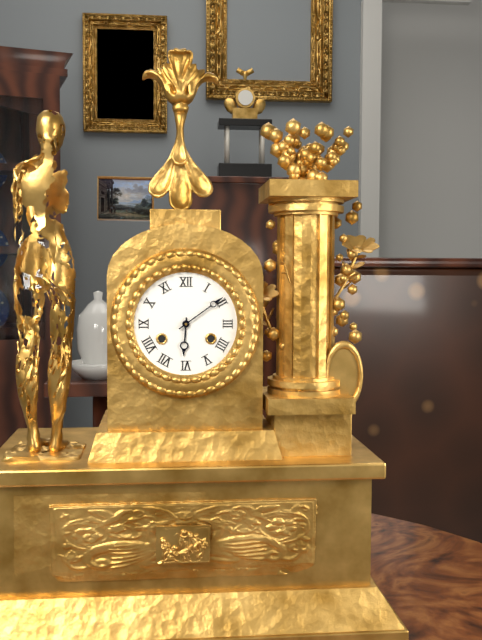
h=6 m=9
